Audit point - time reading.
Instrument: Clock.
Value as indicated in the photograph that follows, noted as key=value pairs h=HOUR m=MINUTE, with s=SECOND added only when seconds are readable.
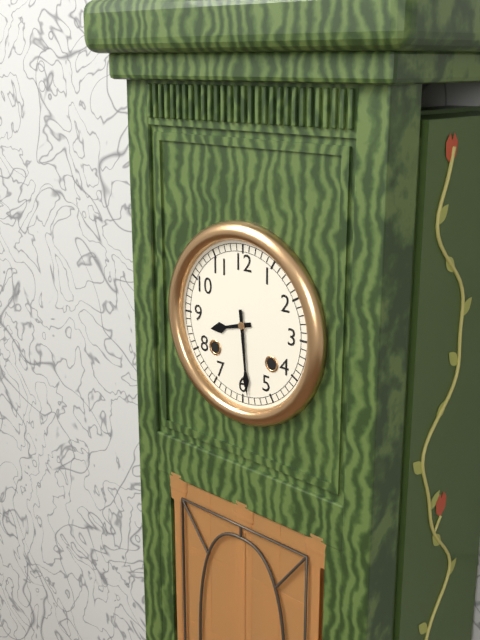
h=8 m=29
